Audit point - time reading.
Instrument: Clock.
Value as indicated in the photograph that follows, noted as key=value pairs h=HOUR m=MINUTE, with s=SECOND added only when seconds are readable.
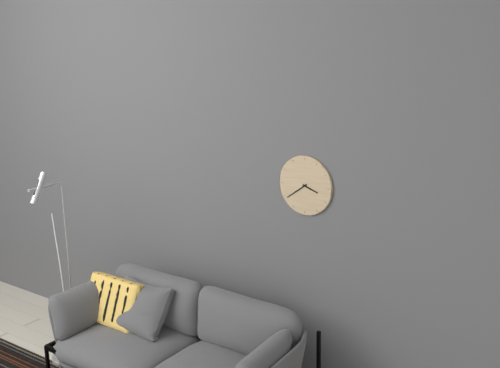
h=3 m=39
